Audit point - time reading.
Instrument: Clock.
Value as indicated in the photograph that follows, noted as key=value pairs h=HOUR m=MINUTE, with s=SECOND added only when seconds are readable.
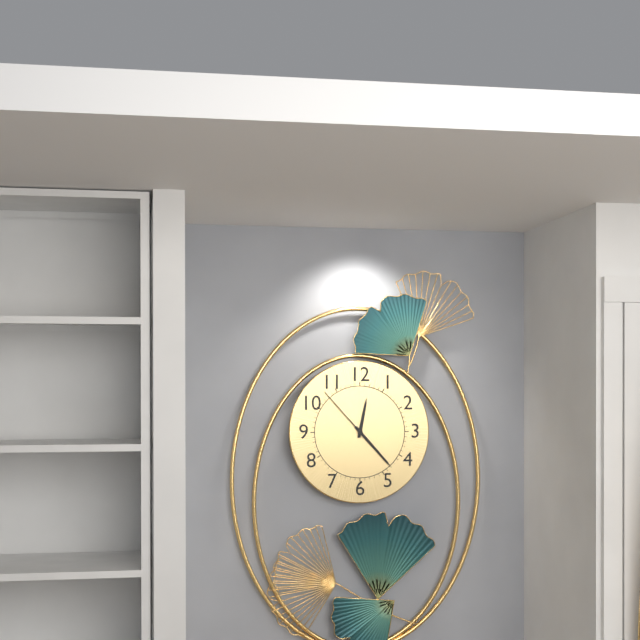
h=12 m=23 s=53
